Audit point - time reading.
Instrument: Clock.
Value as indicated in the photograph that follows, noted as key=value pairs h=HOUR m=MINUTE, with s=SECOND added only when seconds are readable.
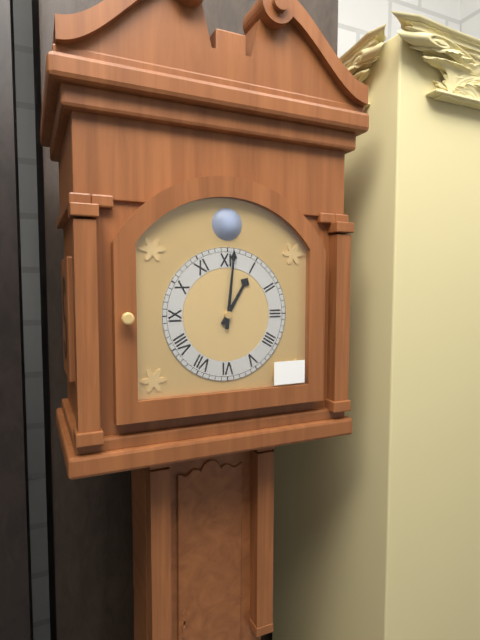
h=1 m=1
